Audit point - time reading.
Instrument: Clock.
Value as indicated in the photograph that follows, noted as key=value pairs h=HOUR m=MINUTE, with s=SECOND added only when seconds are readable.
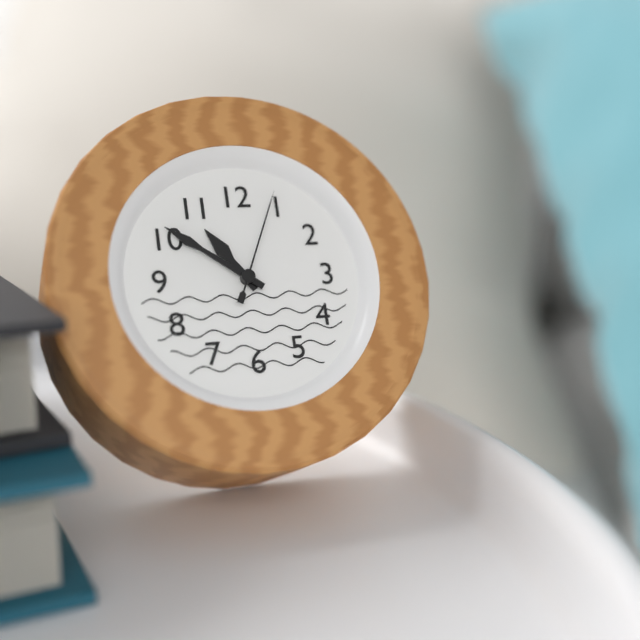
h=10 m=51 s=4
